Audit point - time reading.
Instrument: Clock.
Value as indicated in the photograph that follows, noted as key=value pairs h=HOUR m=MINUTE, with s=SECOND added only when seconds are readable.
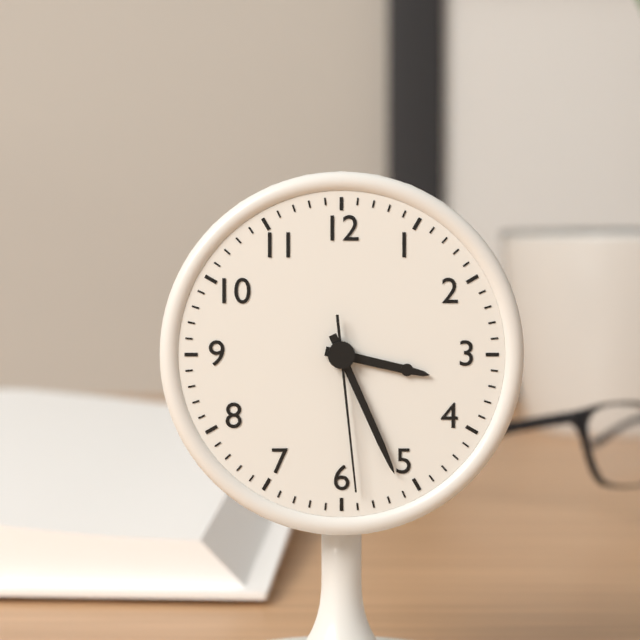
h=3 m=26 s=29
